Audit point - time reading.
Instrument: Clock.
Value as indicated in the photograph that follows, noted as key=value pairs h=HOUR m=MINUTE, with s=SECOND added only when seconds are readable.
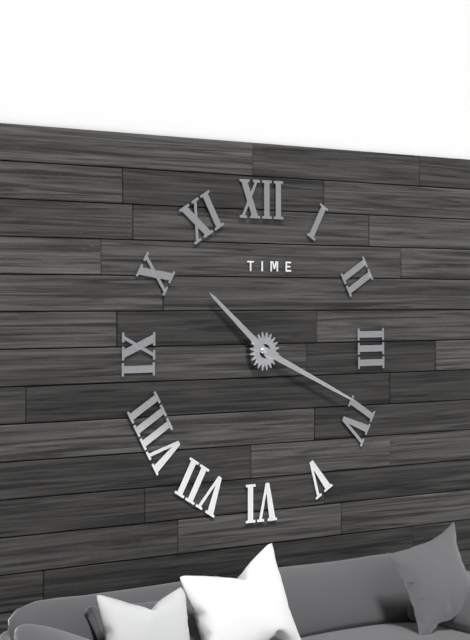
h=10 m=19
